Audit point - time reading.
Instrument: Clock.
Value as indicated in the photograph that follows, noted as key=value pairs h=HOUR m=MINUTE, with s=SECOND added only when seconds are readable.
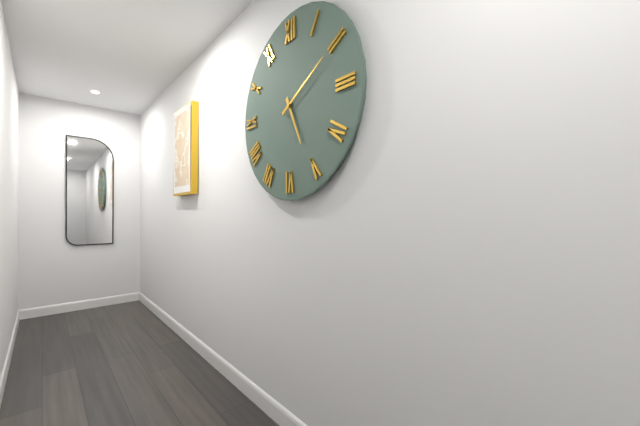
h=5 m=10
